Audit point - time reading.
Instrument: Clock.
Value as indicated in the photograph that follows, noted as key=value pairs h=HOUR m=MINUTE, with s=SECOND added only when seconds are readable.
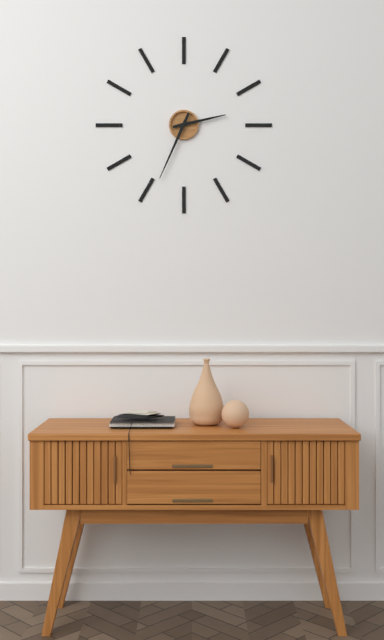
h=2 m=34
